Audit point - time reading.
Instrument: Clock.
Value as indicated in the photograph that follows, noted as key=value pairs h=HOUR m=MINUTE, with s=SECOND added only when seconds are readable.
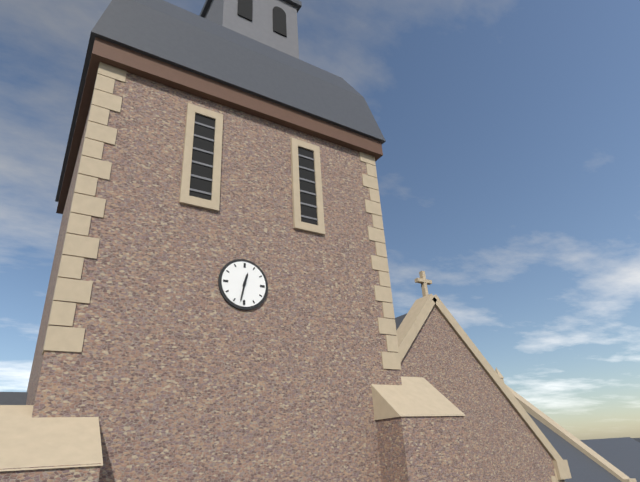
h=12 m=32
